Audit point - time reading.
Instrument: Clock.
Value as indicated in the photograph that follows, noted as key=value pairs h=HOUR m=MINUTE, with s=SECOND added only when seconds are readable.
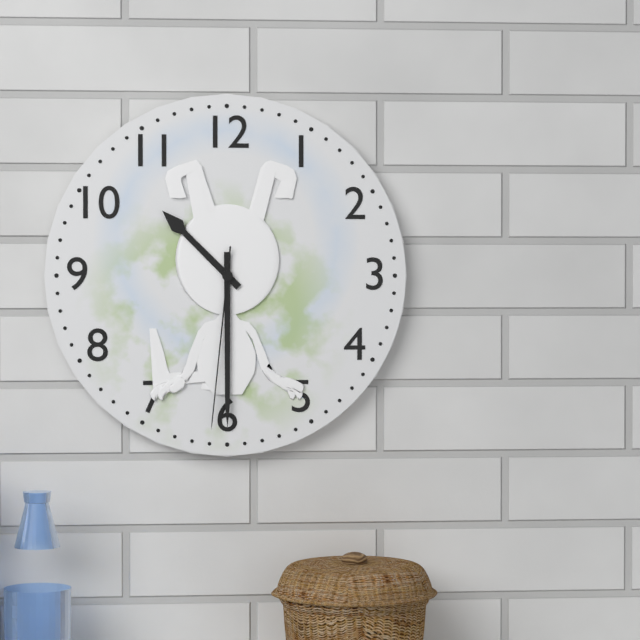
h=10 m=30 s=31
